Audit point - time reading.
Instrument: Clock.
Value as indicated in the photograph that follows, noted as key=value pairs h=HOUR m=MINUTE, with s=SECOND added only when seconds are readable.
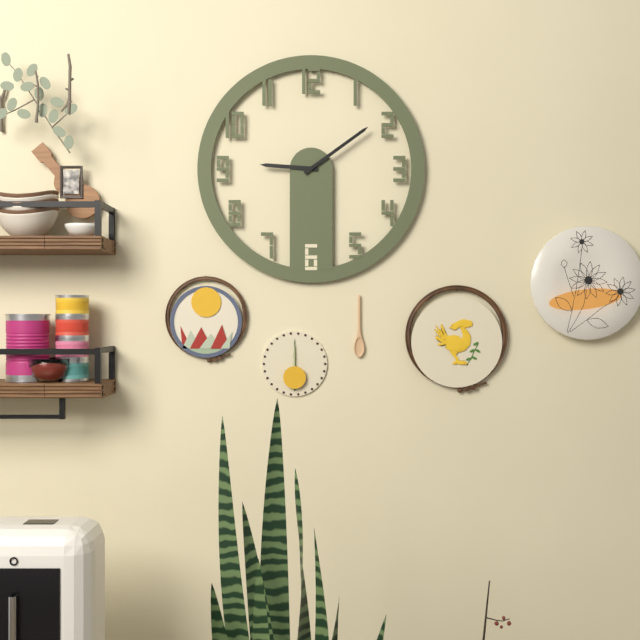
h=9 m=9
